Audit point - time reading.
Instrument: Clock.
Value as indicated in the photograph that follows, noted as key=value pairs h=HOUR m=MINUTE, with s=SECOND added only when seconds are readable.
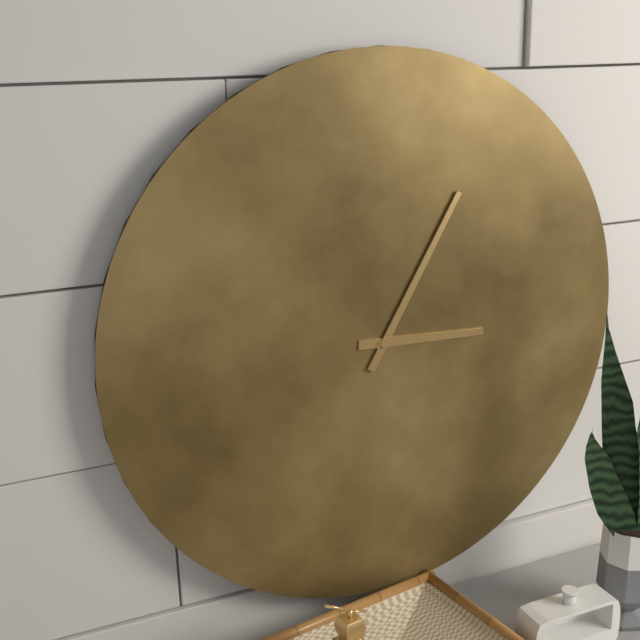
h=3 m=5
